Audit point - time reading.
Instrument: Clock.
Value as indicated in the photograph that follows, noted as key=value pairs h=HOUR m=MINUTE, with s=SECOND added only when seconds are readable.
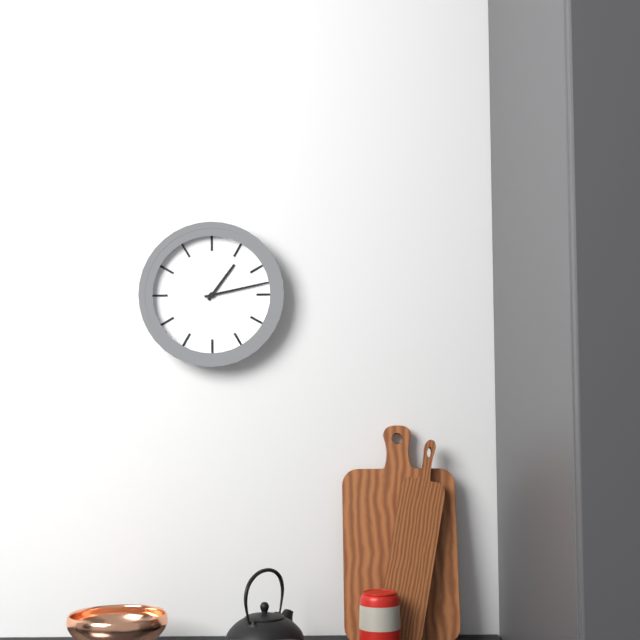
h=1 m=13
